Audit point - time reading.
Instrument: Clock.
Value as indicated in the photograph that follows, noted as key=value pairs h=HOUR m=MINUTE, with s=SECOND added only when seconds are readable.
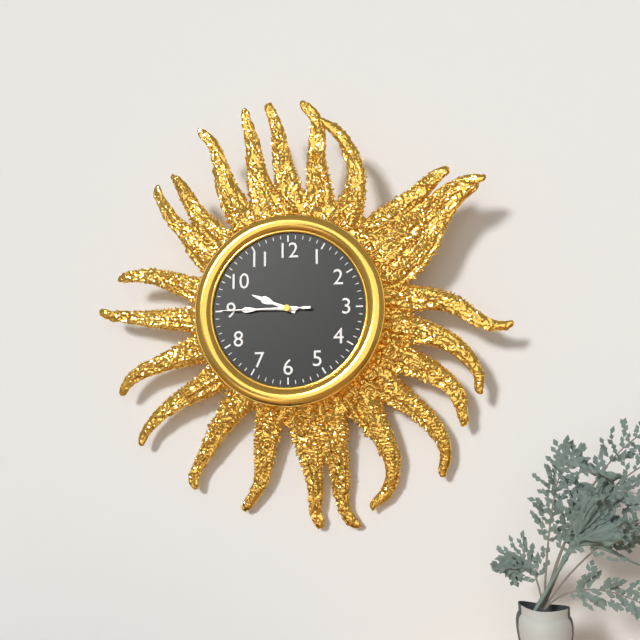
h=9 m=45 s=45
